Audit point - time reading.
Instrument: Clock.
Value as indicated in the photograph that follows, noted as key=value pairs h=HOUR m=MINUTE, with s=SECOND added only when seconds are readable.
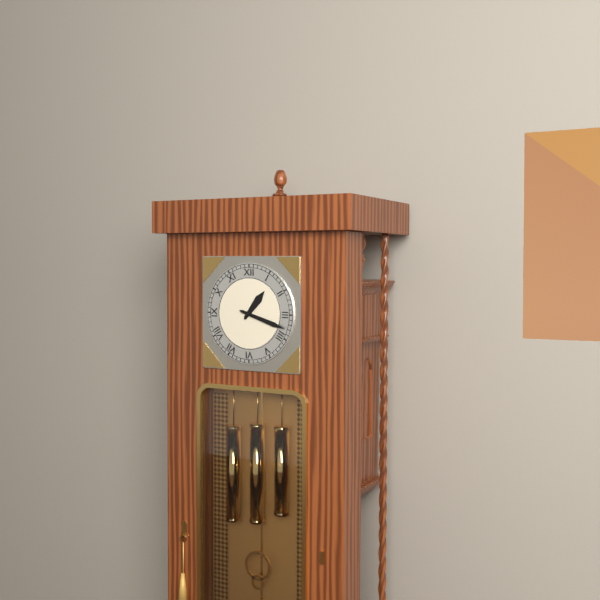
h=1 m=18
